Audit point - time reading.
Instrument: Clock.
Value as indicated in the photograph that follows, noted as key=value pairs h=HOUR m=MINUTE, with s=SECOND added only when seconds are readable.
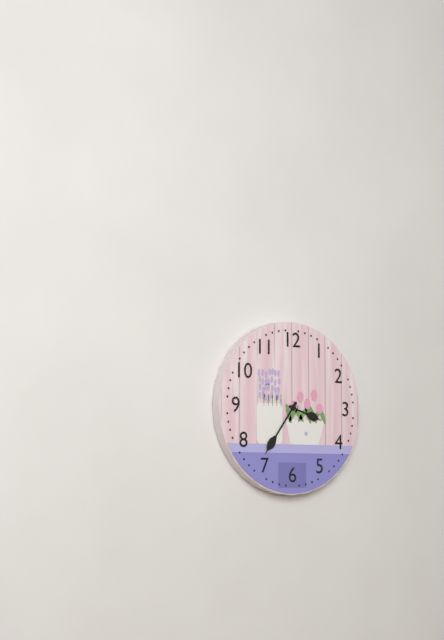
h=3 m=36
